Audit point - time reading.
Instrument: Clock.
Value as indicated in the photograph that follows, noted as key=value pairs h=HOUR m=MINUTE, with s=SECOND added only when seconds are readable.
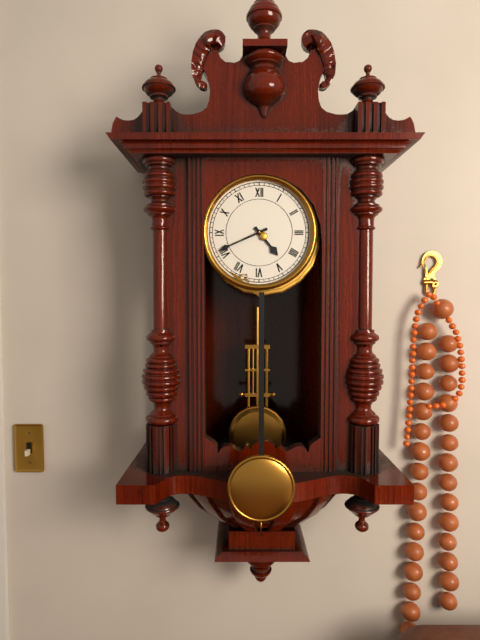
h=4 m=41
